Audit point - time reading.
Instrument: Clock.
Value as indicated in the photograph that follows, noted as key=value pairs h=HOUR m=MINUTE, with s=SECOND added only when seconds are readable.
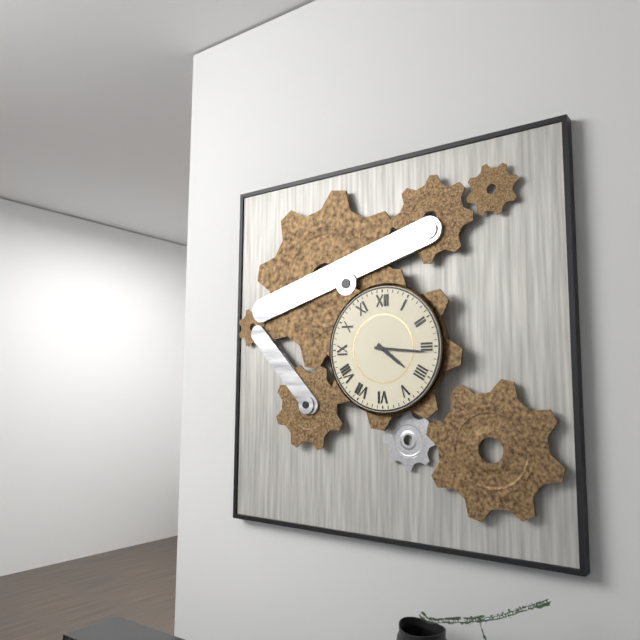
h=4 m=16
